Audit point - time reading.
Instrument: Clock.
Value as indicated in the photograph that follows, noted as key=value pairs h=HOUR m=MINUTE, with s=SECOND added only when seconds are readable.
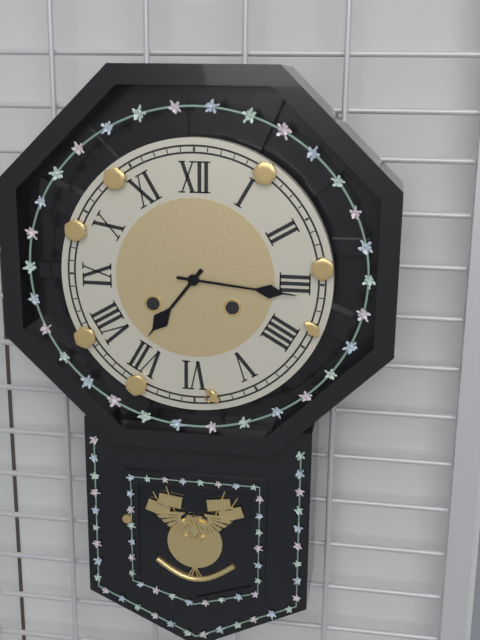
h=7 m=16
